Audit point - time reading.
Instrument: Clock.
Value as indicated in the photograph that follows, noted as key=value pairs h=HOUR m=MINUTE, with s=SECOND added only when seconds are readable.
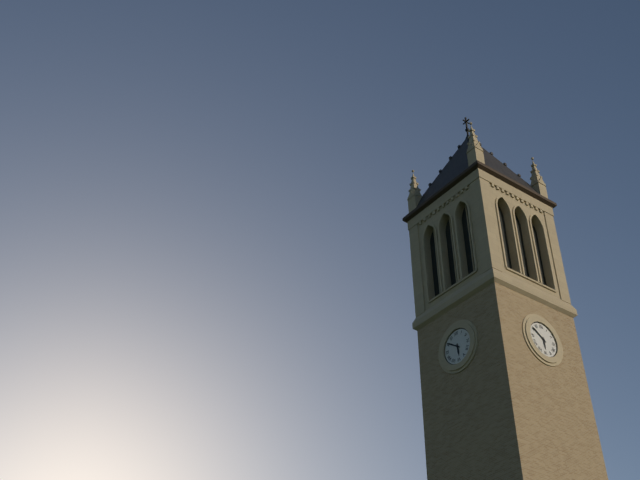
h=5 m=51
